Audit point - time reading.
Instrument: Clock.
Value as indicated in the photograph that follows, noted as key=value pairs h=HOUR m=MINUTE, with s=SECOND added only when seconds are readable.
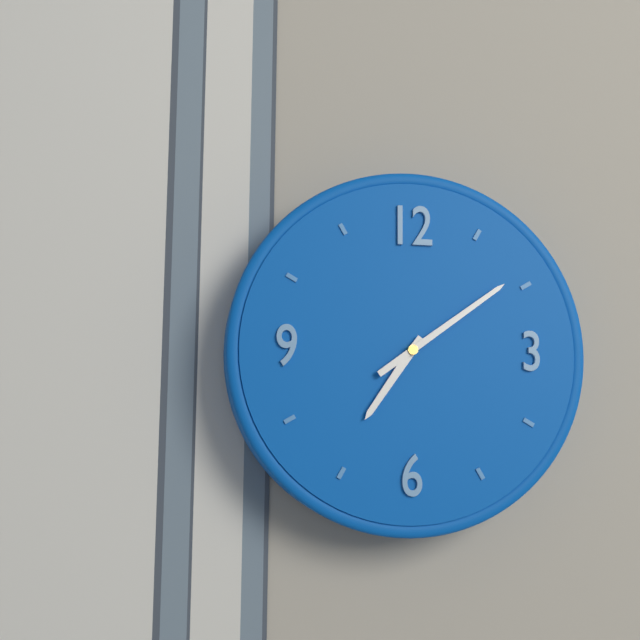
h=7 m=9
